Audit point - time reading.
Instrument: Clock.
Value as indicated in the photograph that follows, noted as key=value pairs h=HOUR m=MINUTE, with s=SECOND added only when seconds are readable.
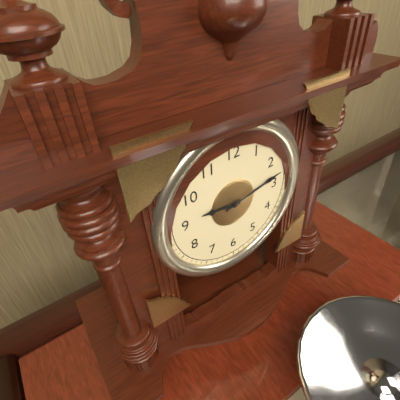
h=9 m=13
